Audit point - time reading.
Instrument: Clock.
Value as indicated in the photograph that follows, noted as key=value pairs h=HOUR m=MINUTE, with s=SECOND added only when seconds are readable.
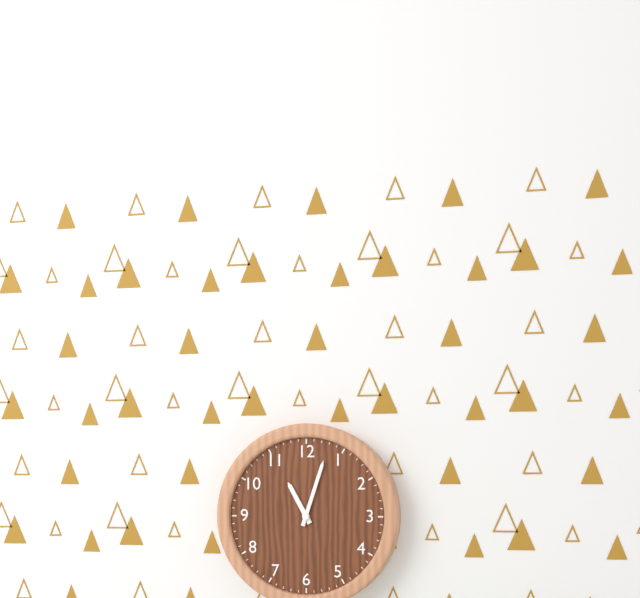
h=11 m=3
